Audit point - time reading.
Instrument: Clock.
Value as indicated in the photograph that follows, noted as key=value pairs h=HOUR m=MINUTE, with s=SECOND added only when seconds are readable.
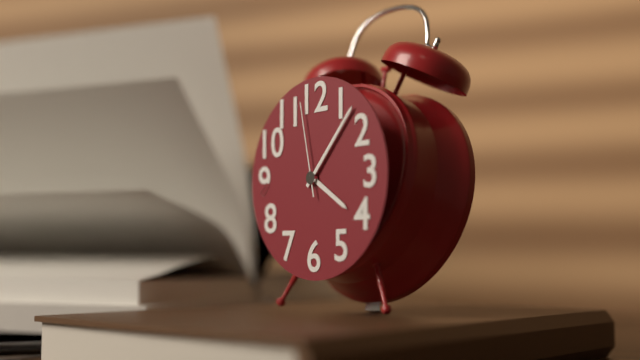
h=4 m=7 s=58
